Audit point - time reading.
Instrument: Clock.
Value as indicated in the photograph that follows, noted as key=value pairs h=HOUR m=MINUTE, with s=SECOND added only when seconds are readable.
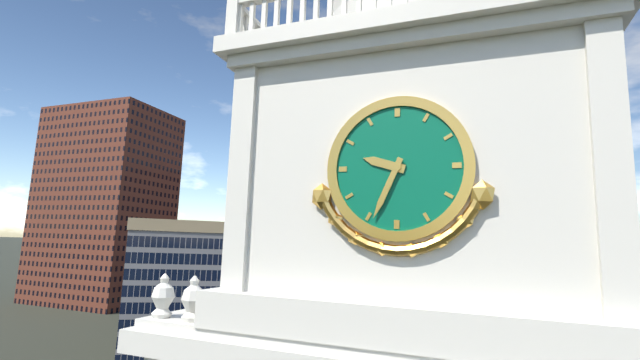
h=9 m=34
